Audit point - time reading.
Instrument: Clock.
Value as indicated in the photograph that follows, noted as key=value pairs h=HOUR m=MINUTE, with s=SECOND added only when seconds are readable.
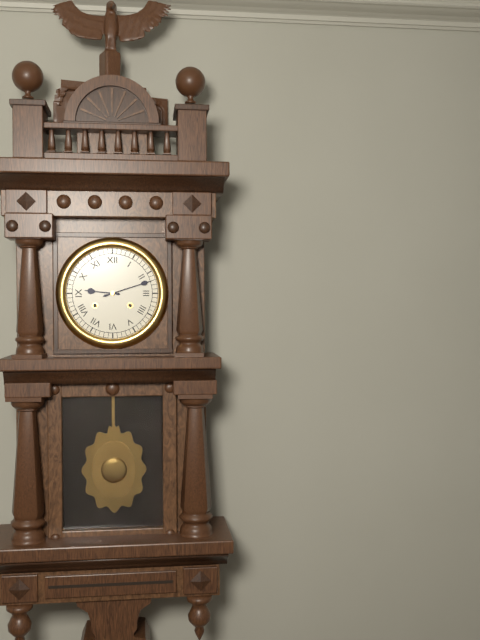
h=9 m=12
